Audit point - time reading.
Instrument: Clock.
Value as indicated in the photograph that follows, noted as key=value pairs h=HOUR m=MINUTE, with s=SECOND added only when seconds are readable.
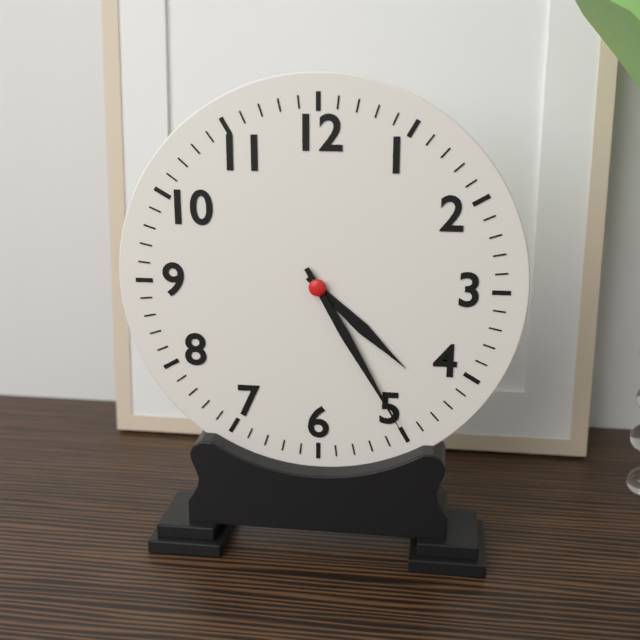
h=4 m=25
